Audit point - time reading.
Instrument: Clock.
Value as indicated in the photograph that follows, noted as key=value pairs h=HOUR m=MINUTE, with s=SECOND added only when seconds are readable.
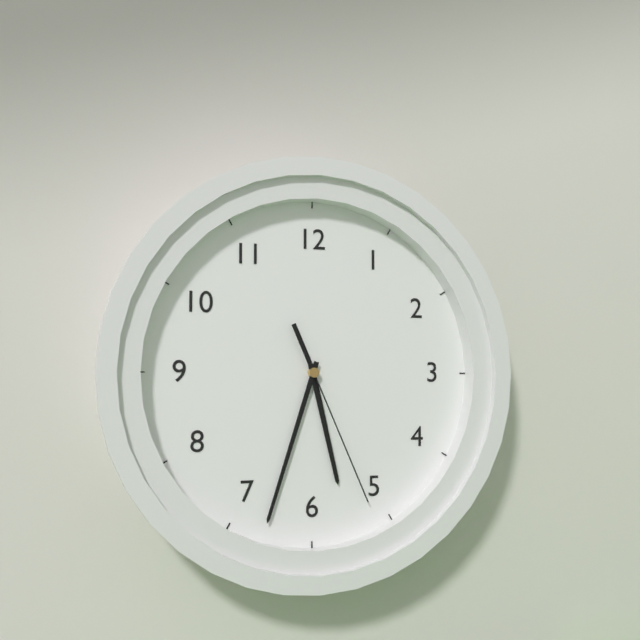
h=5 m=33 s=26
